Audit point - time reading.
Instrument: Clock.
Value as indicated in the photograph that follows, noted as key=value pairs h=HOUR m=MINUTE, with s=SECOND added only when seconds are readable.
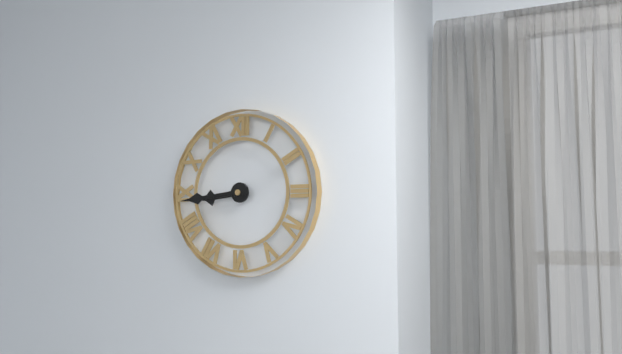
h=8 m=44
